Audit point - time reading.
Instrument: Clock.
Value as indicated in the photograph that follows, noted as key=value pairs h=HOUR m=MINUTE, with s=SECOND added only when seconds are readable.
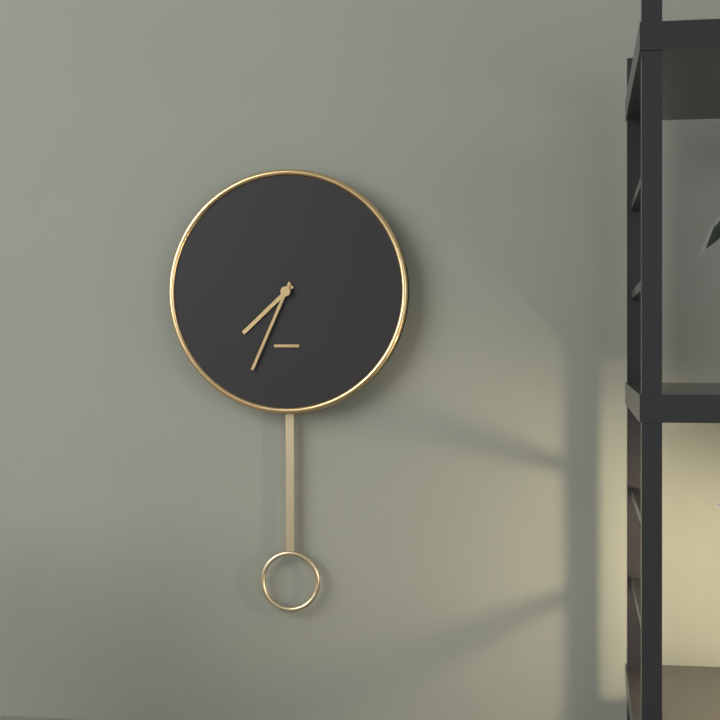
h=7 m=34
